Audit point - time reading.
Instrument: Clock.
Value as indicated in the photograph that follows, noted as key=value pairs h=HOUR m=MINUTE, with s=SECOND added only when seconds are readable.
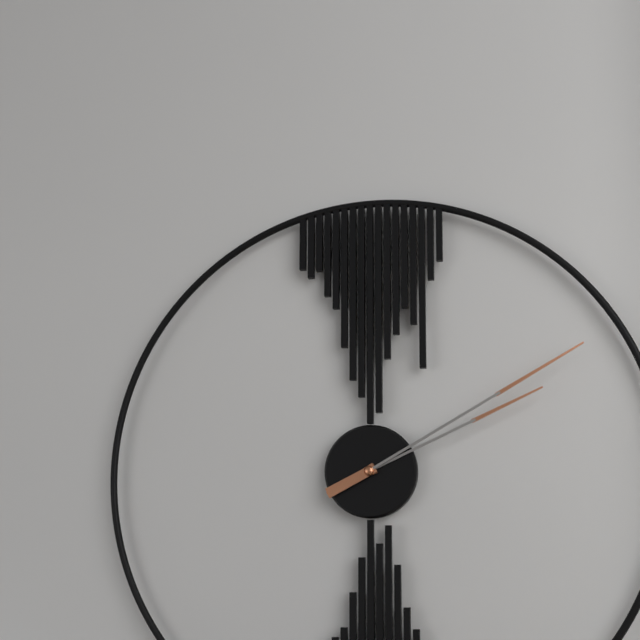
h=2 m=10
